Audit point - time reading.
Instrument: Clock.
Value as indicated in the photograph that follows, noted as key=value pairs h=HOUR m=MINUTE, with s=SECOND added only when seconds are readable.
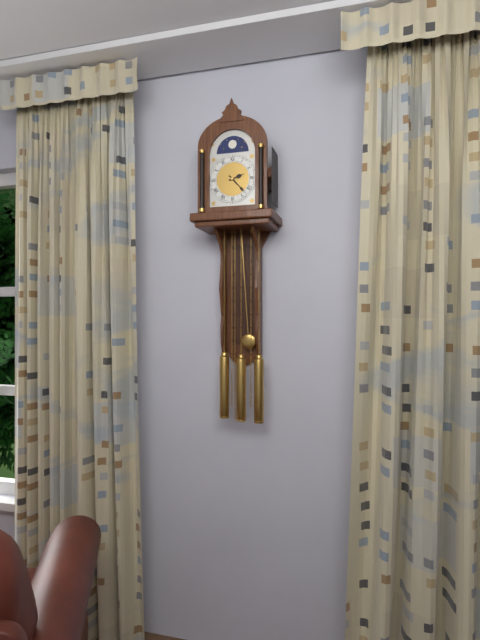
h=2 m=23
